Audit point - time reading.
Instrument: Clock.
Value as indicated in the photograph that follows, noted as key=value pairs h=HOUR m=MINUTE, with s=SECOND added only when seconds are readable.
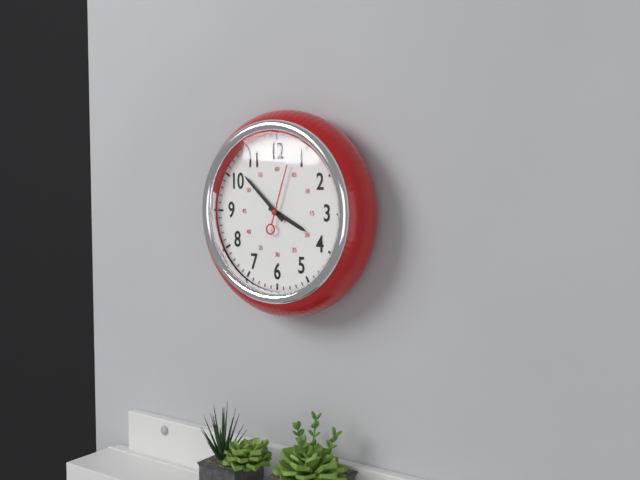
h=3 m=52 s=3
